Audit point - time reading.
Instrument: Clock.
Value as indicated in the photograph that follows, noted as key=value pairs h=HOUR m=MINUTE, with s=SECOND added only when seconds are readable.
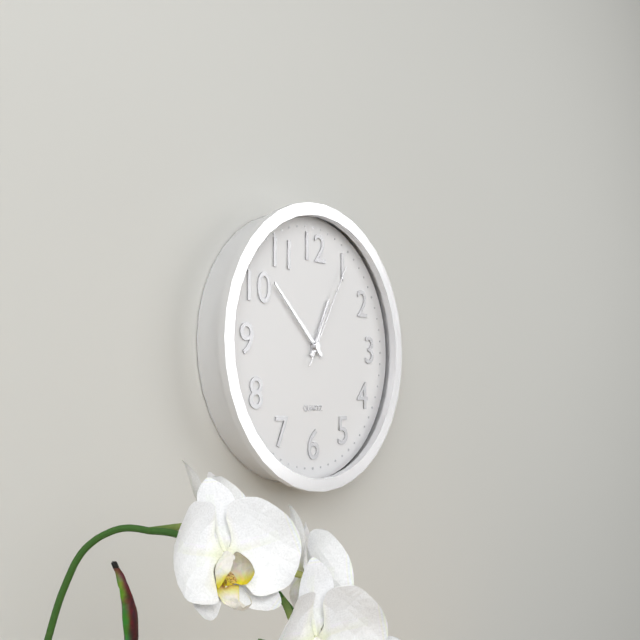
h=12 m=52 s=5
